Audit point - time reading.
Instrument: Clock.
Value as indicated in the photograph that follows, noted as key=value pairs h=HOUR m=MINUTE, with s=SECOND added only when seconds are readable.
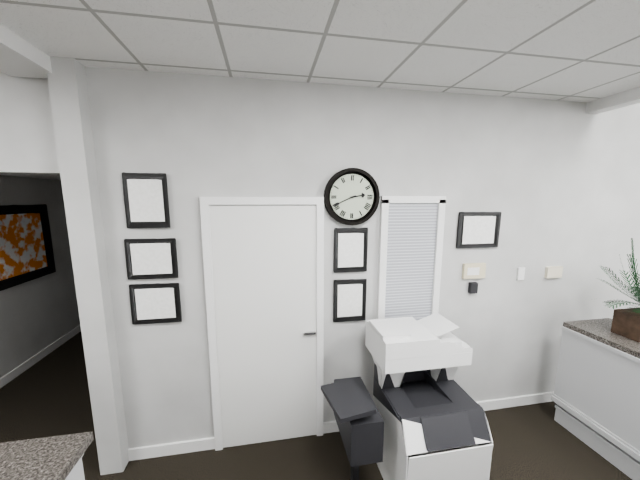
h=2 m=41
